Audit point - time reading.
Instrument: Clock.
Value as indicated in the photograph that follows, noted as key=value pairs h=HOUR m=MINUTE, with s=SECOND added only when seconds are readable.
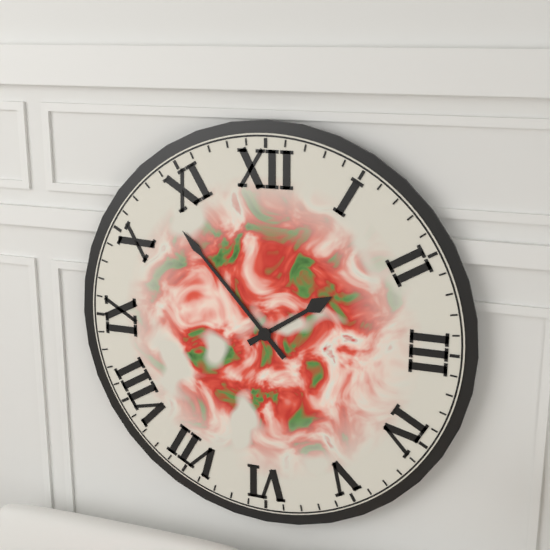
h=1 m=53
